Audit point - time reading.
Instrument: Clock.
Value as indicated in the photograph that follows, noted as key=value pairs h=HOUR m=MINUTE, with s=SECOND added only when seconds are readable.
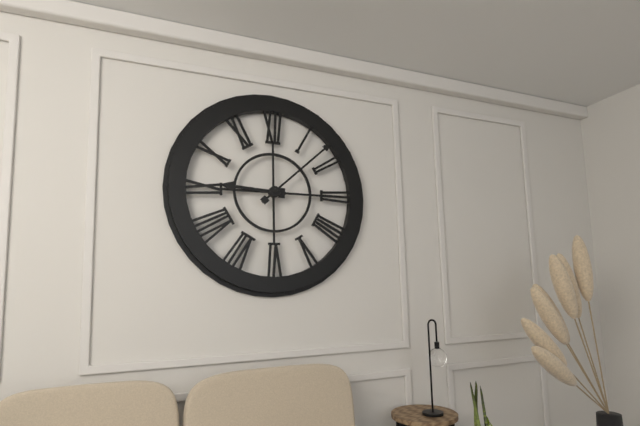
h=9 m=8
